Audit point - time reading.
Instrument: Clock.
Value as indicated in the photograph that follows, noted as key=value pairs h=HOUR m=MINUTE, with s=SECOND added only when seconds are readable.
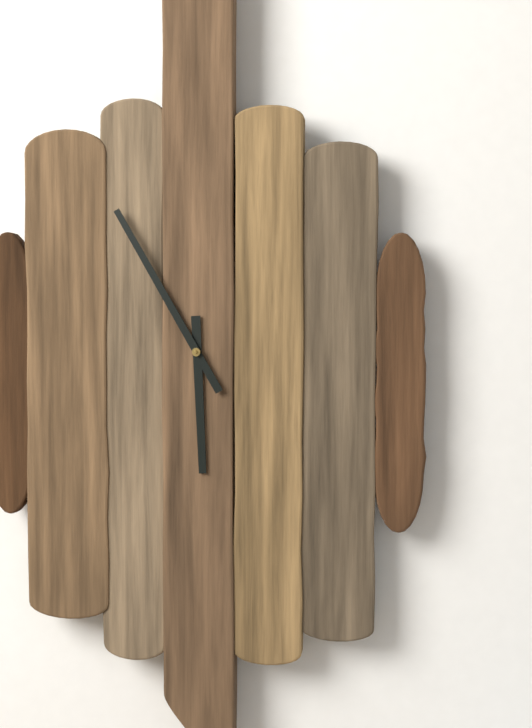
h=5 m=55
